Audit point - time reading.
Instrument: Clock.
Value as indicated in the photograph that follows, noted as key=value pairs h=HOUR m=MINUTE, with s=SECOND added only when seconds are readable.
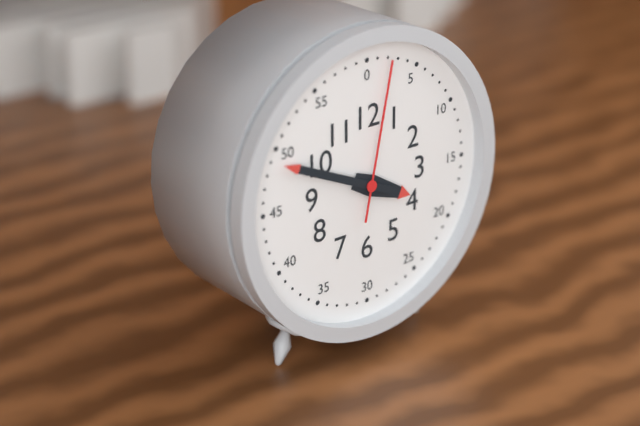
h=3 m=49 s=2
